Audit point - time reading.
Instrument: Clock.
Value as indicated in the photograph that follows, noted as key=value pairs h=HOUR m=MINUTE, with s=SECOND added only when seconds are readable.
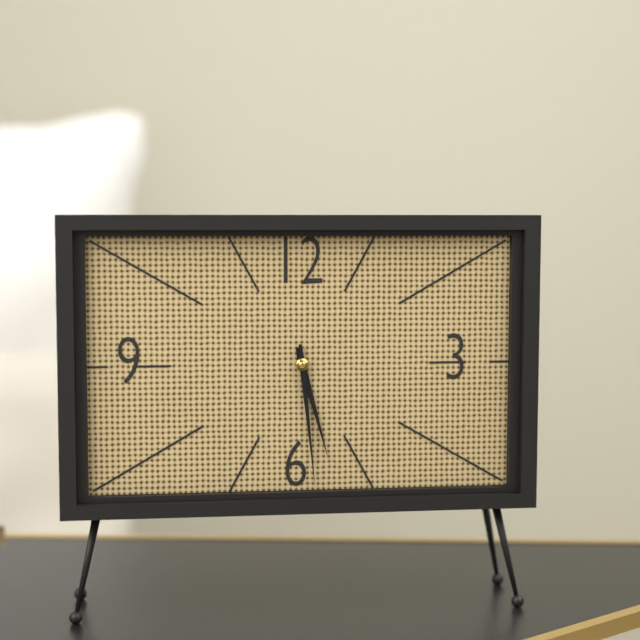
h=5 m=29
